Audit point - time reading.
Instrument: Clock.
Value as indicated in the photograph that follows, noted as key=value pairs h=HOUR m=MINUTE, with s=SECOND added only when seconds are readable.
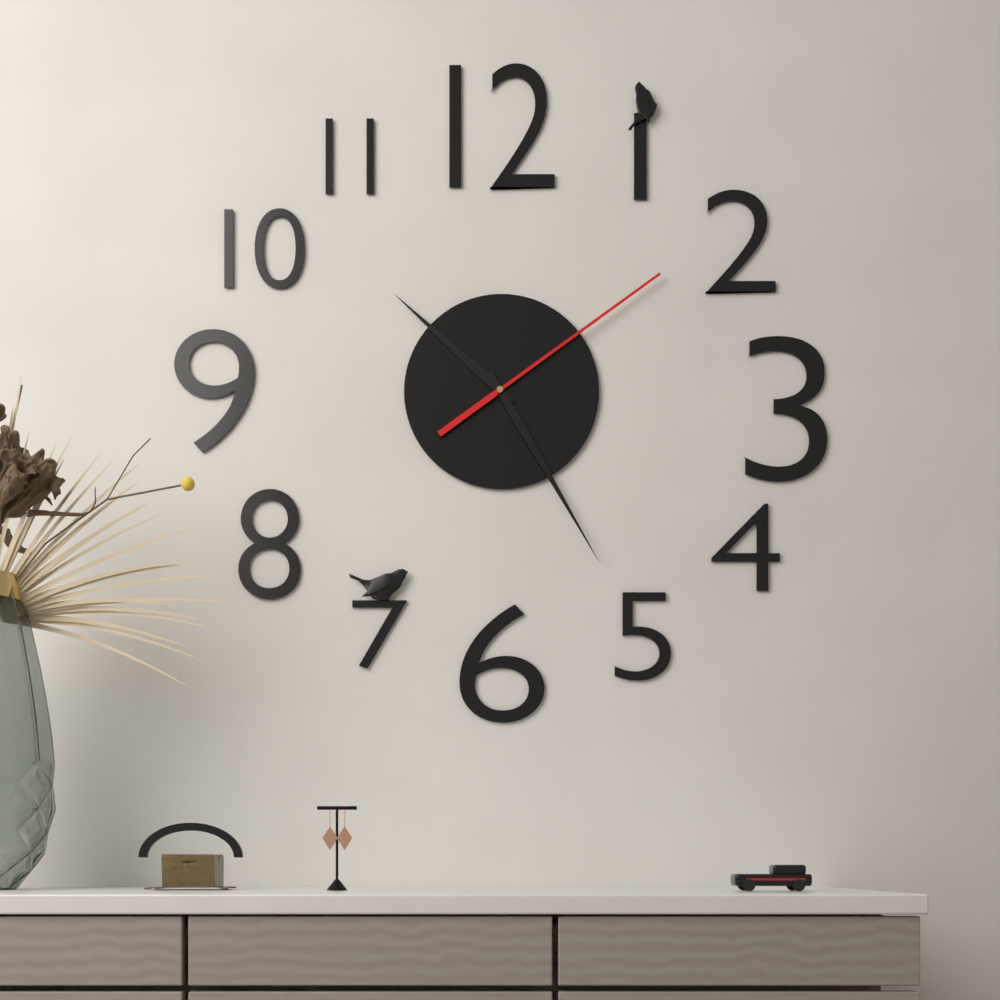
h=10 m=25 s=9
